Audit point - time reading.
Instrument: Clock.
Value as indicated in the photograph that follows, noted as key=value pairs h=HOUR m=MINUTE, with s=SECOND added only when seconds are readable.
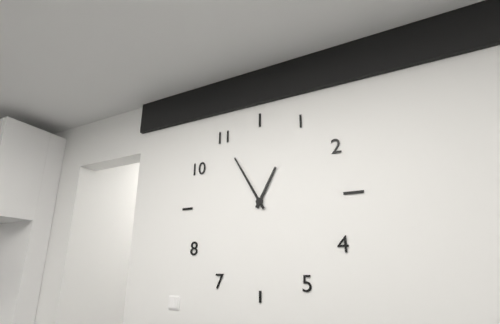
h=12 m=55
